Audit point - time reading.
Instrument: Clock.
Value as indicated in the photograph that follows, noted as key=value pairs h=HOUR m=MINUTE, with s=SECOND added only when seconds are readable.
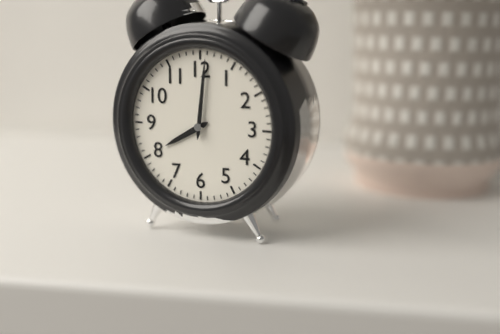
h=8 m=1
